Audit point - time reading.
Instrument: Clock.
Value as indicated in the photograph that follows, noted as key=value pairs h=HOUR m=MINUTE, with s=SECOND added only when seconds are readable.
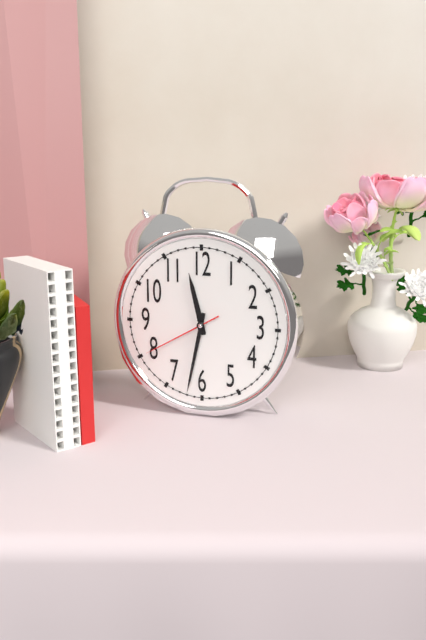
h=11 m=32 s=40
